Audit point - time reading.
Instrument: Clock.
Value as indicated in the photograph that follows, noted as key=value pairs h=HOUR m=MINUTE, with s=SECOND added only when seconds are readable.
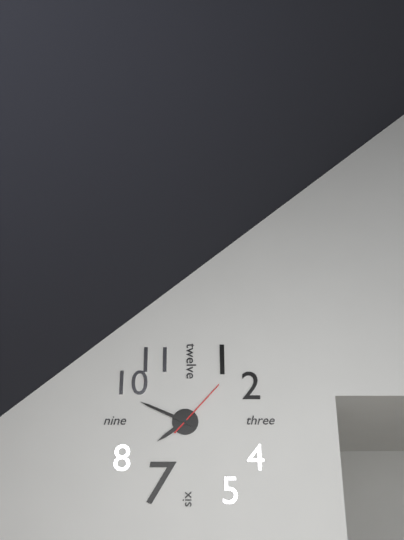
h=7 m=49 s=7
